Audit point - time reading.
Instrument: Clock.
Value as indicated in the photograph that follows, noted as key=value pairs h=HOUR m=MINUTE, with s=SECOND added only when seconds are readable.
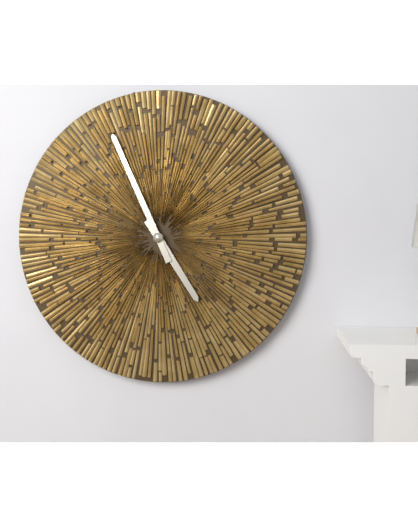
h=4 m=56
